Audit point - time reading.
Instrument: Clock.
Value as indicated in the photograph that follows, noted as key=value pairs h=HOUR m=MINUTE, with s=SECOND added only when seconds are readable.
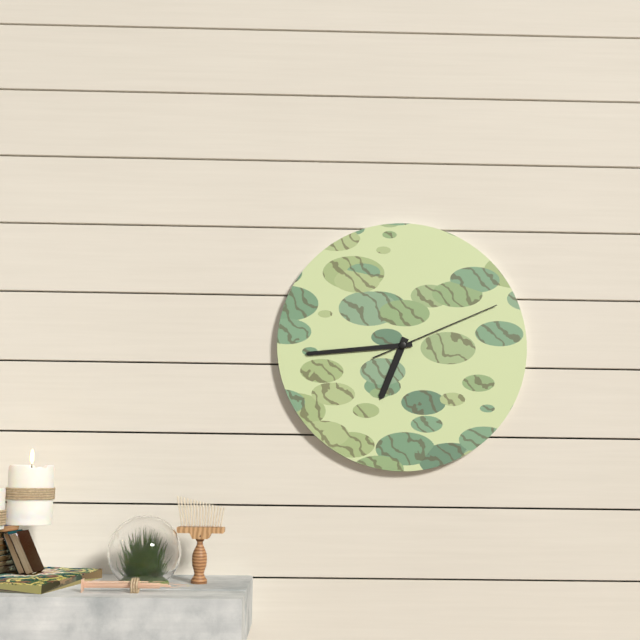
h=6 m=44 s=11
